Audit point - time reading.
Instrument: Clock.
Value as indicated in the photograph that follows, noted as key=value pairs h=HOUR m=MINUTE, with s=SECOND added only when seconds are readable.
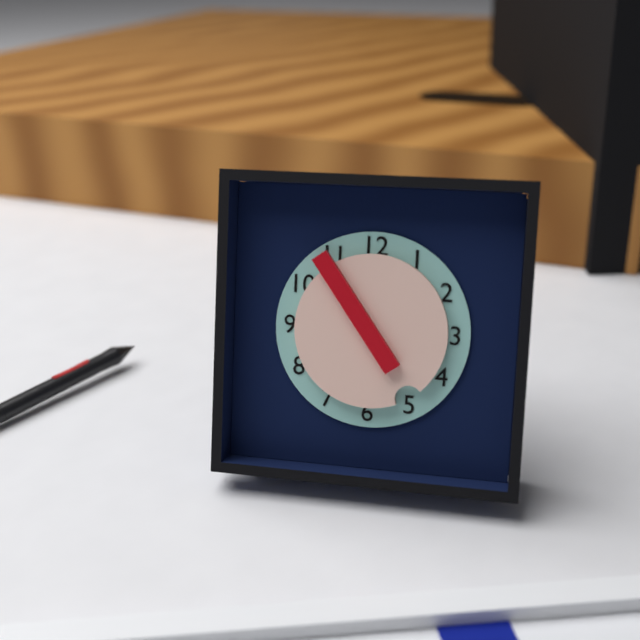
h=4 m=54
